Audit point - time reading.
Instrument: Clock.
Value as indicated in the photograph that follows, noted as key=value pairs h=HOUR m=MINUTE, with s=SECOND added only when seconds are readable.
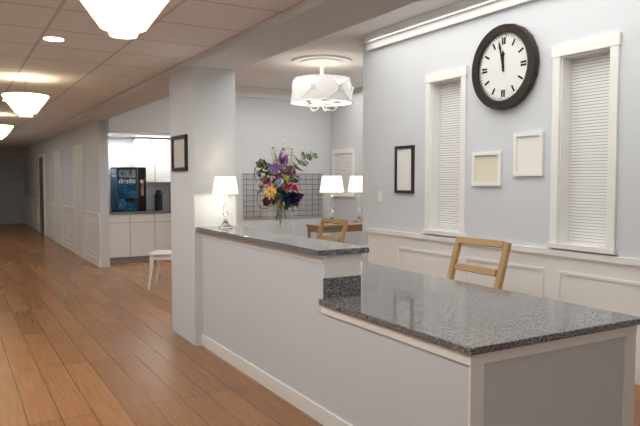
h=11 m=58
